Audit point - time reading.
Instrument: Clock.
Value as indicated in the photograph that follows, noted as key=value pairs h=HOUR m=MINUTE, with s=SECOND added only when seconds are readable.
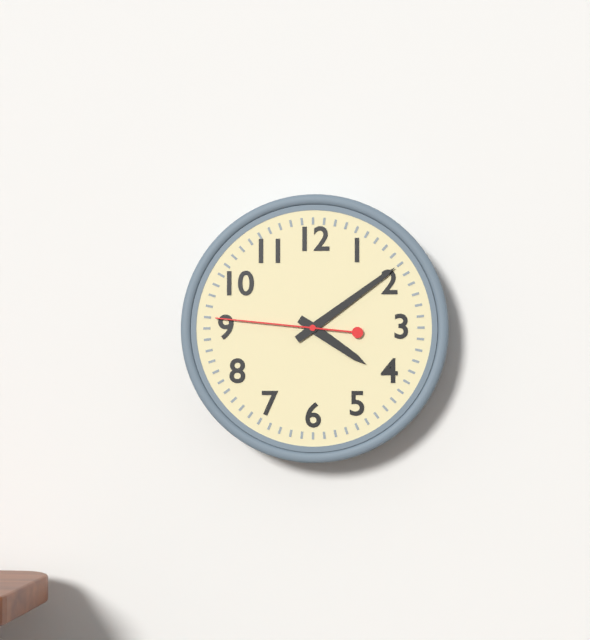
h=4 m=9 s=46
